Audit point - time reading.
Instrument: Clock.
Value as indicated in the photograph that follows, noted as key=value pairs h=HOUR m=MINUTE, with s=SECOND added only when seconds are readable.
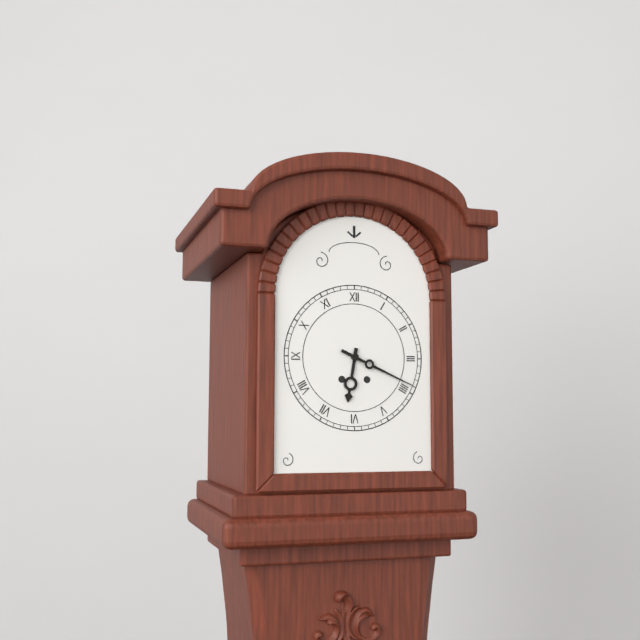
h=6 m=19
